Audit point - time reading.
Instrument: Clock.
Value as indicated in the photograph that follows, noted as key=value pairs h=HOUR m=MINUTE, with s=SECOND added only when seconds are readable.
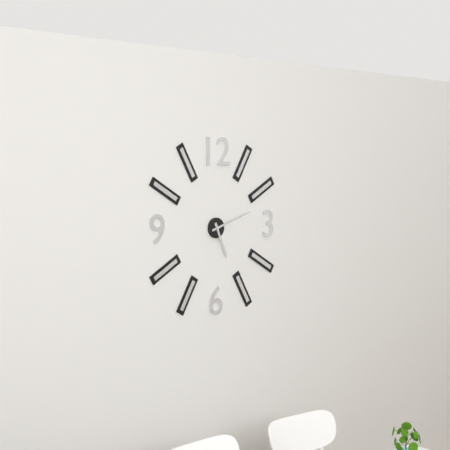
h=5 m=12
